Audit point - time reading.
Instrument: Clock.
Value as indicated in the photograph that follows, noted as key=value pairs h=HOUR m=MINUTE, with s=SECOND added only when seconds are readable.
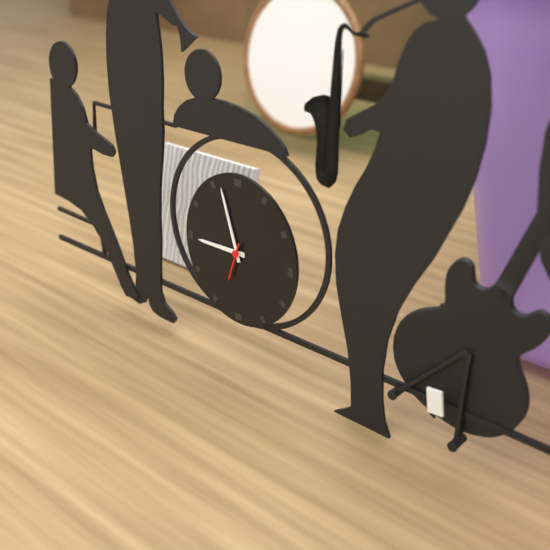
h=8 m=57
